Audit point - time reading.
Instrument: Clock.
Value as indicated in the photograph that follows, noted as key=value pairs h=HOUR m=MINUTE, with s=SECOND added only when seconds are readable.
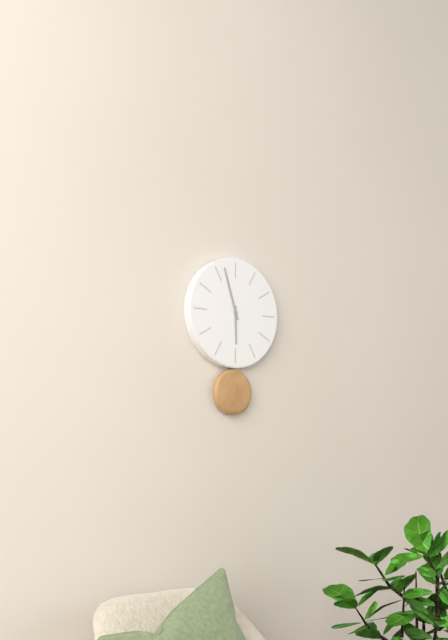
h=5 m=57
